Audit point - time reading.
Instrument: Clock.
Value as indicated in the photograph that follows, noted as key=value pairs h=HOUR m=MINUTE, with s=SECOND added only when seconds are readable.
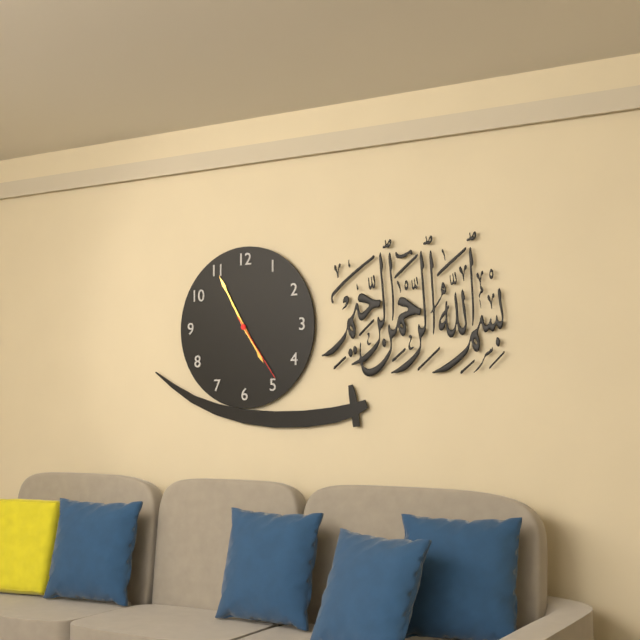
h=4 m=55 s=24
